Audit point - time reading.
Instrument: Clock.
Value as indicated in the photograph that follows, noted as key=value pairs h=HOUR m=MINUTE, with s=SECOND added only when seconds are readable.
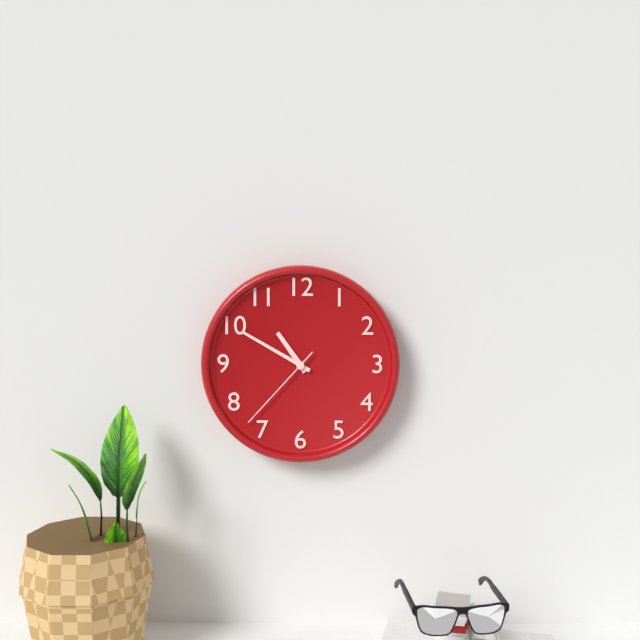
h=10 m=50 s=37
